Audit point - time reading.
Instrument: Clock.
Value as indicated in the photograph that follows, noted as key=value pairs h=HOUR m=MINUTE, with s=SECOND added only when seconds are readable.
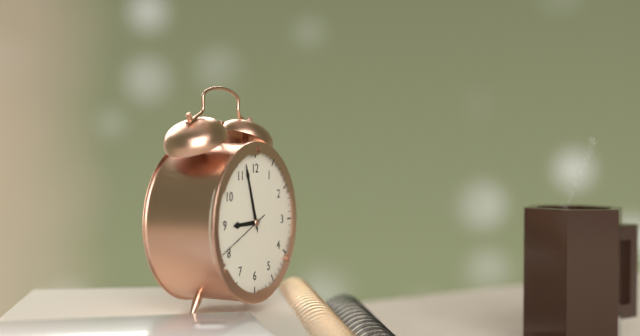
h=8 m=57 s=41
